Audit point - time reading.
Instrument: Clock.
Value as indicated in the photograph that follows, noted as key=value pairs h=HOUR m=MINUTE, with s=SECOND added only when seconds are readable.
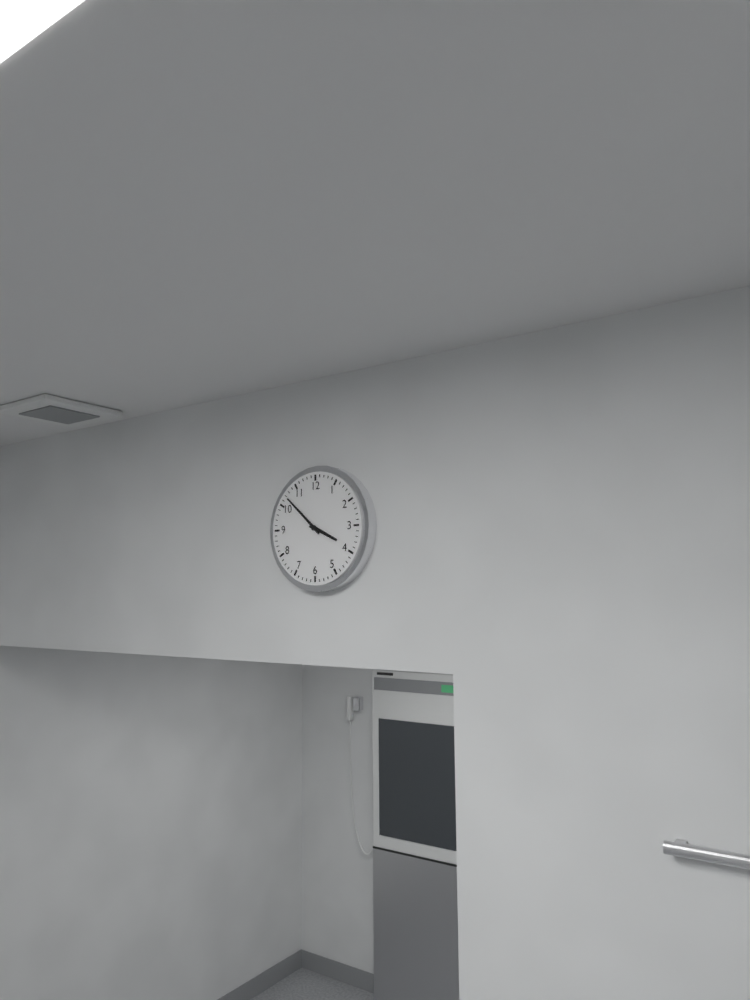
h=3 m=52
